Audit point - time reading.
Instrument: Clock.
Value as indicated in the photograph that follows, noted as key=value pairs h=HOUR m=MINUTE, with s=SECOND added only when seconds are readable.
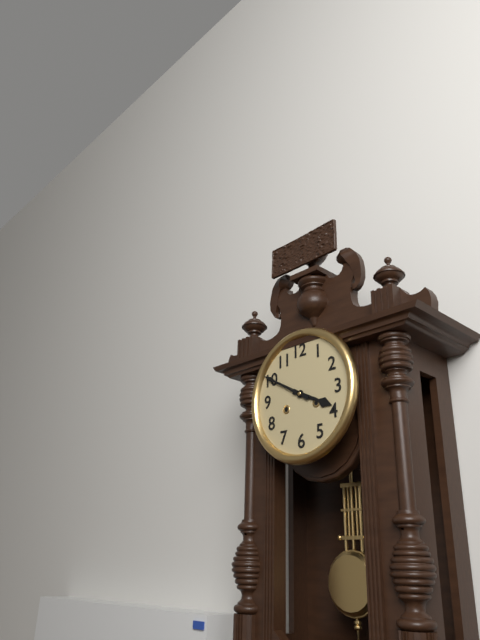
h=3 m=50
